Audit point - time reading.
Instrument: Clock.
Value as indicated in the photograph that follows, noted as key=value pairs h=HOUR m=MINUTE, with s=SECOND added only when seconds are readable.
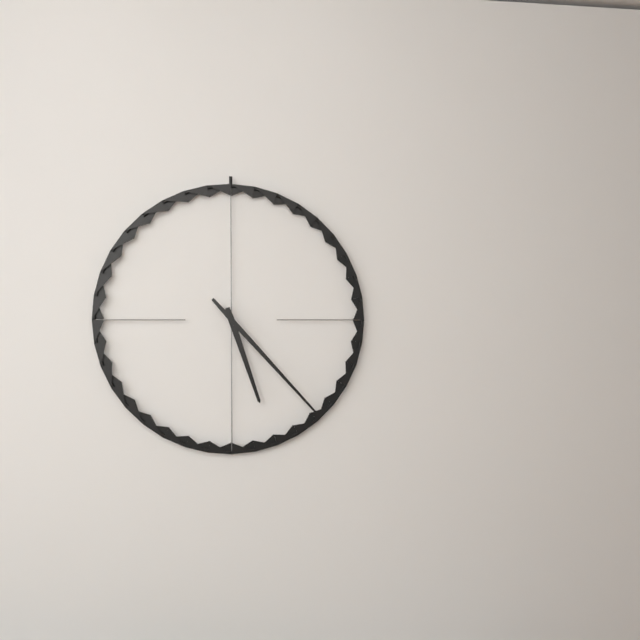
h=5 m=23
